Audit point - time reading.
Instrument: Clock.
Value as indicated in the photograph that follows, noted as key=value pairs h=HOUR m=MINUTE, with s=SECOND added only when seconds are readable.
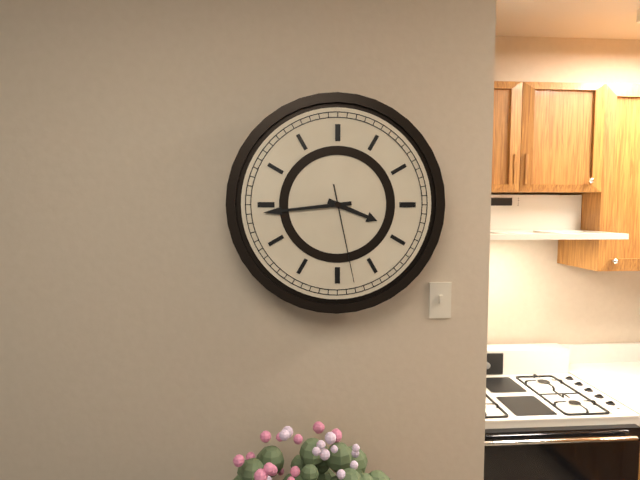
h=3 m=44 s=28
